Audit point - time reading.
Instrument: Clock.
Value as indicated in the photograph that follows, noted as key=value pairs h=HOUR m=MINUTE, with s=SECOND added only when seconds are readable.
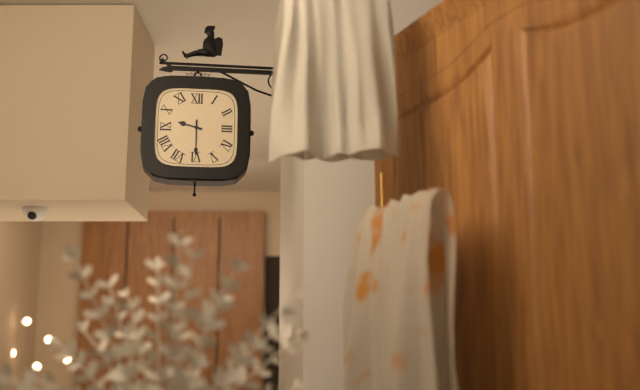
h=9 m=30
